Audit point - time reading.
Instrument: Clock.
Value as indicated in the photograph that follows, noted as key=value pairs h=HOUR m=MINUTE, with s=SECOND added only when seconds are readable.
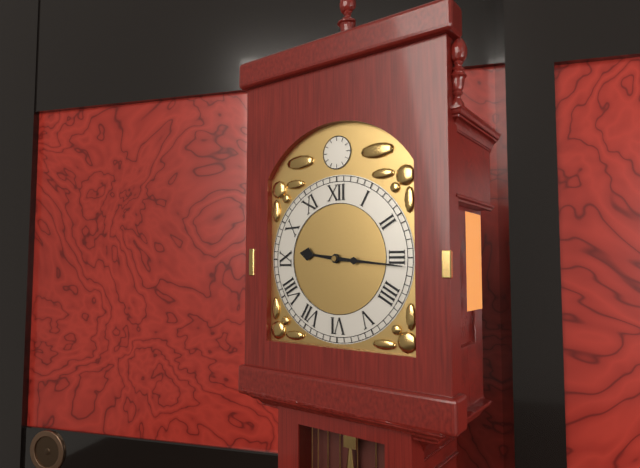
h=9 m=16
